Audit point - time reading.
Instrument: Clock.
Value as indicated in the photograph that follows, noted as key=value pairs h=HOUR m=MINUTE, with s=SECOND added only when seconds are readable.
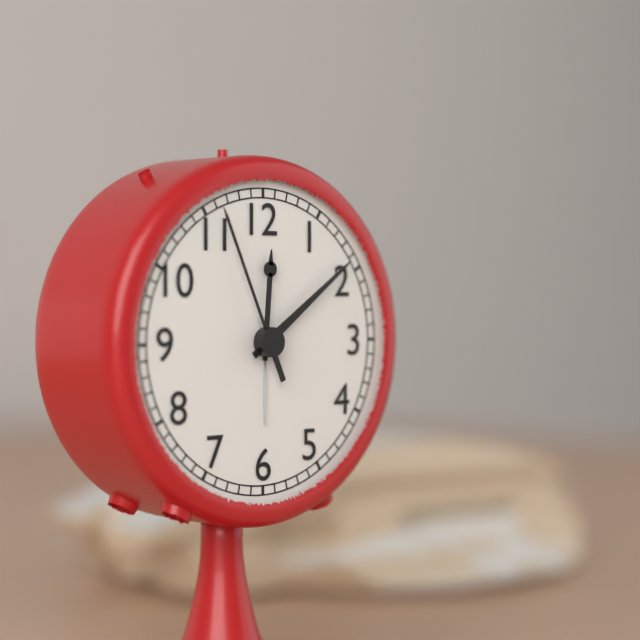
h=12 m=9 s=56
